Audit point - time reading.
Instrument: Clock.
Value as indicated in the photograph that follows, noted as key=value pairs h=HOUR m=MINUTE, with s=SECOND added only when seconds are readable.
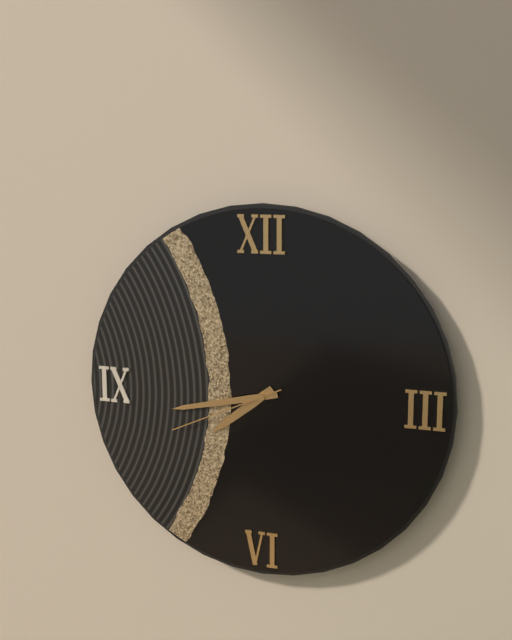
h=7 m=43 s=41
